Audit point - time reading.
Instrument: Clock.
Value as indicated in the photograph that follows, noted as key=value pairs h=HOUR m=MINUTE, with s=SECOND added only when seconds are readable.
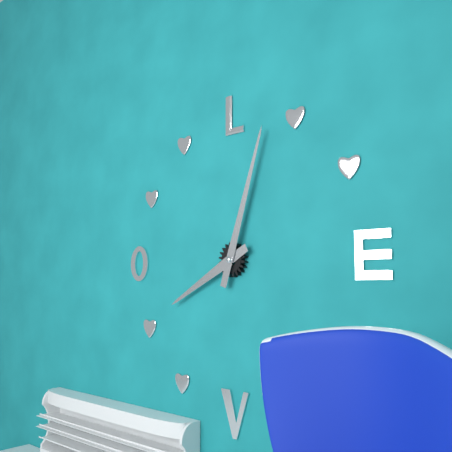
h=8 m=3
